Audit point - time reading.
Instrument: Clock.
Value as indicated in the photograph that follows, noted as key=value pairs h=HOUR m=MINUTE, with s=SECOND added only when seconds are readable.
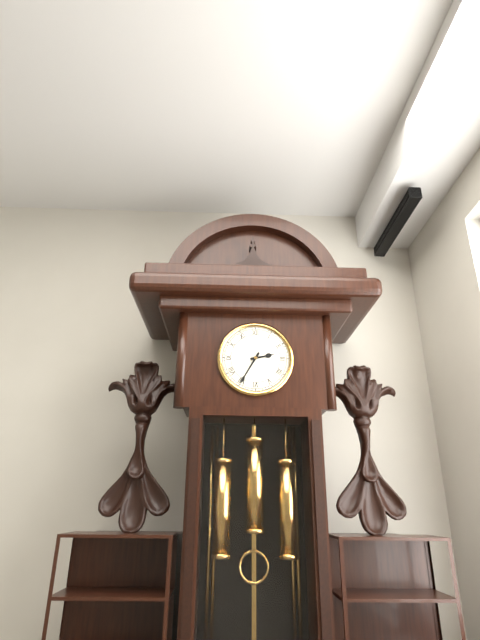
h=2 m=35
